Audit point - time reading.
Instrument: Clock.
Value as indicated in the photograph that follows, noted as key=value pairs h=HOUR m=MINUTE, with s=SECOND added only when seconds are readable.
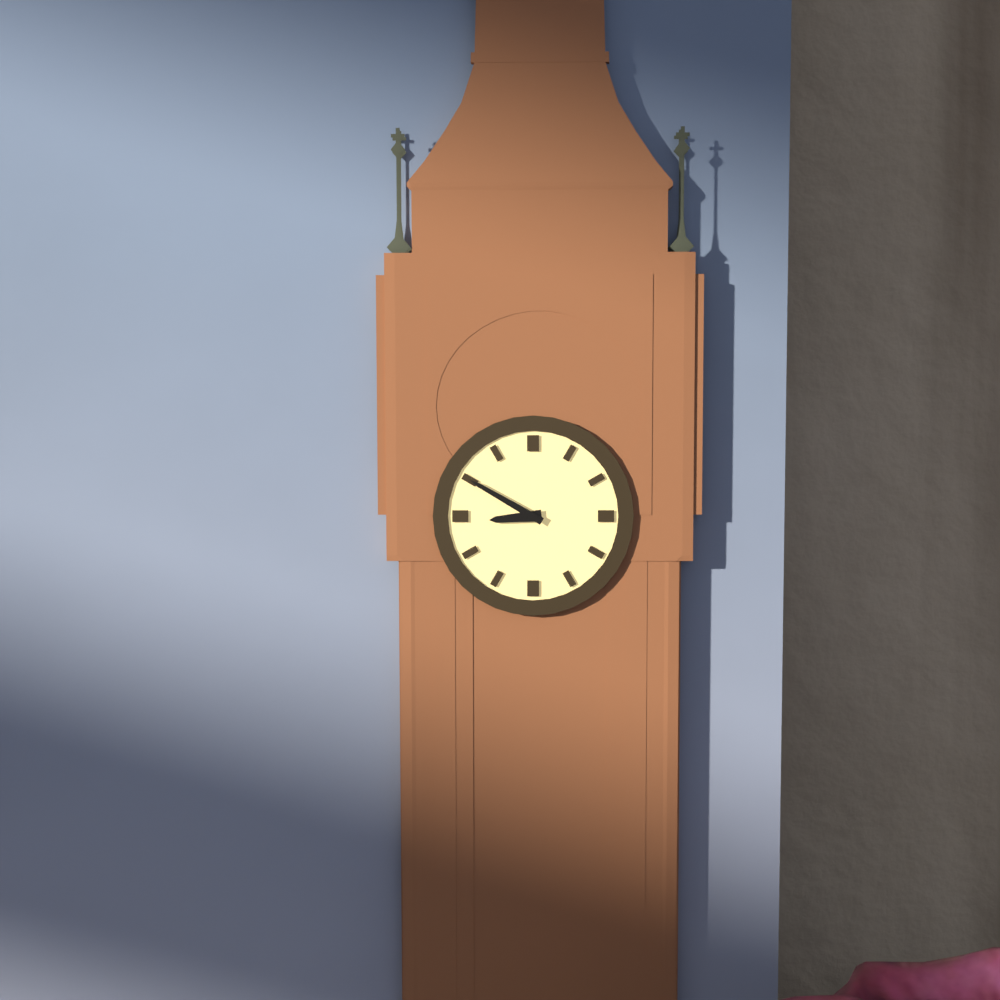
h=8 m=50
